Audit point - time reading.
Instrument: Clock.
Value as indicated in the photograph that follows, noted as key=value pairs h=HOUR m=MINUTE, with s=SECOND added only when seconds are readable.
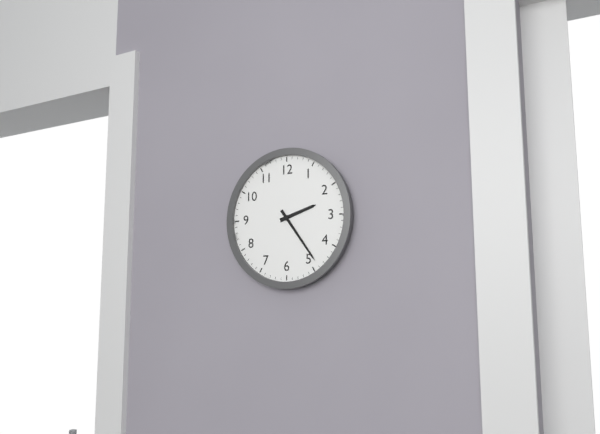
h=2 m=24
